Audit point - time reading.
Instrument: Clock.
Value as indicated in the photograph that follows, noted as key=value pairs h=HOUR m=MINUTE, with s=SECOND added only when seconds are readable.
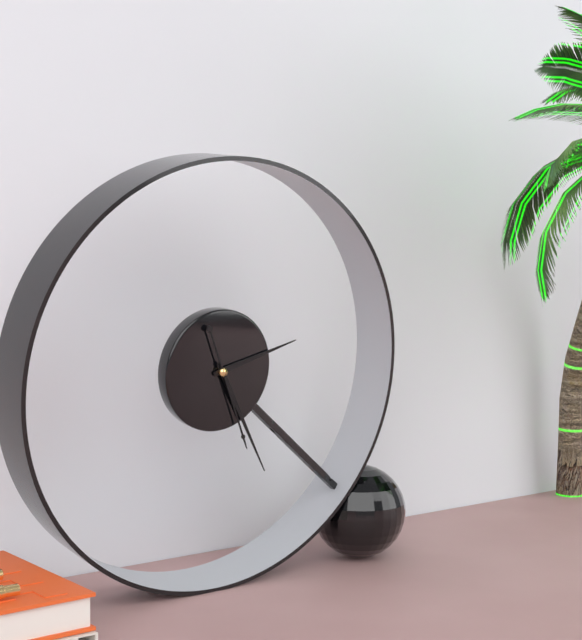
h=2 m=25 s=26
